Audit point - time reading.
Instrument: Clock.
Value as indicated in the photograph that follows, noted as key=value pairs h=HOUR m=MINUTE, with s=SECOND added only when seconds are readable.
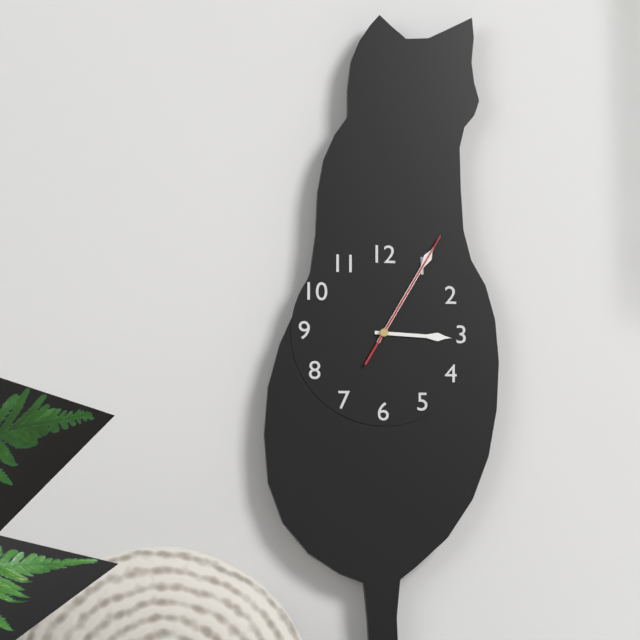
h=3 m=5 s=5
